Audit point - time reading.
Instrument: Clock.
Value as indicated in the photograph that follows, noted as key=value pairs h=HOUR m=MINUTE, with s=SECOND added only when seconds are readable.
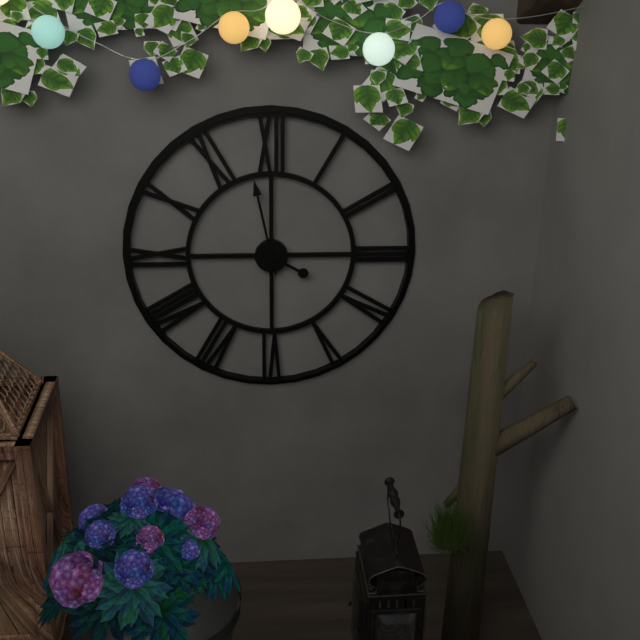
h=3 m=58
